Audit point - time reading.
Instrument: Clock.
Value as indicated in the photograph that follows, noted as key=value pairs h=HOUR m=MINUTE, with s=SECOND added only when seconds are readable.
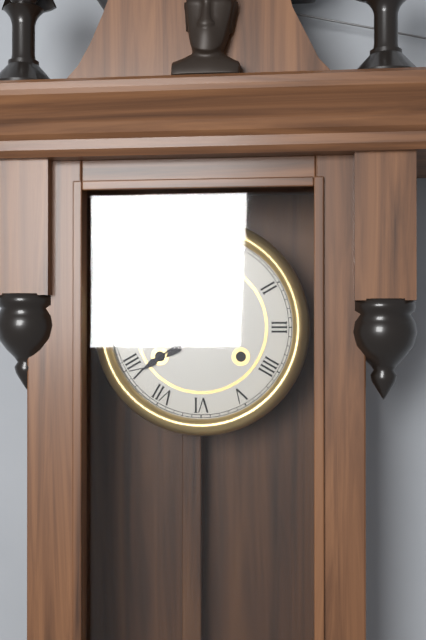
h=7 m=39
